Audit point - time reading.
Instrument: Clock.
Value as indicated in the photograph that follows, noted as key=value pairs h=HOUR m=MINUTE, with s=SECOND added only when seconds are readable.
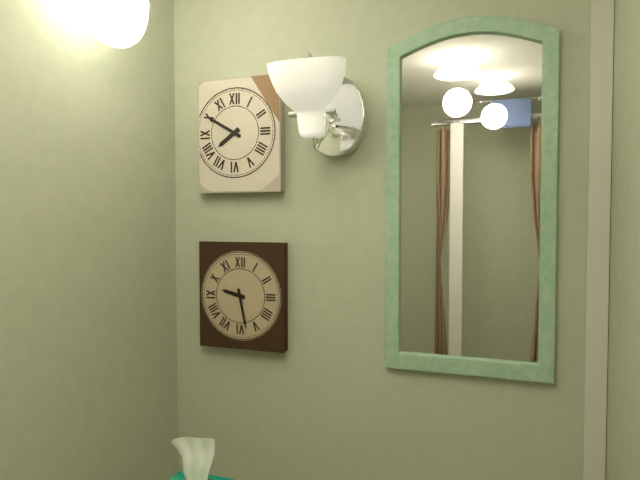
h=7 m=50
